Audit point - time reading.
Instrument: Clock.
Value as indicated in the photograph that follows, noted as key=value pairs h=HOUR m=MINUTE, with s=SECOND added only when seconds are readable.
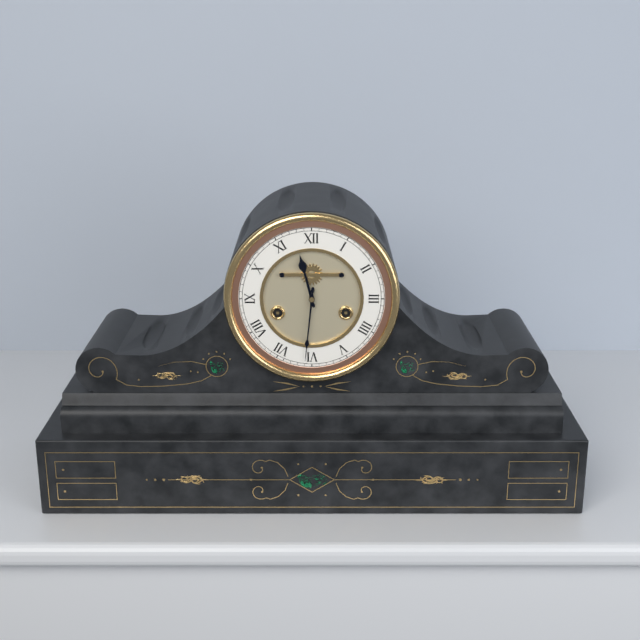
h=11 m=31
